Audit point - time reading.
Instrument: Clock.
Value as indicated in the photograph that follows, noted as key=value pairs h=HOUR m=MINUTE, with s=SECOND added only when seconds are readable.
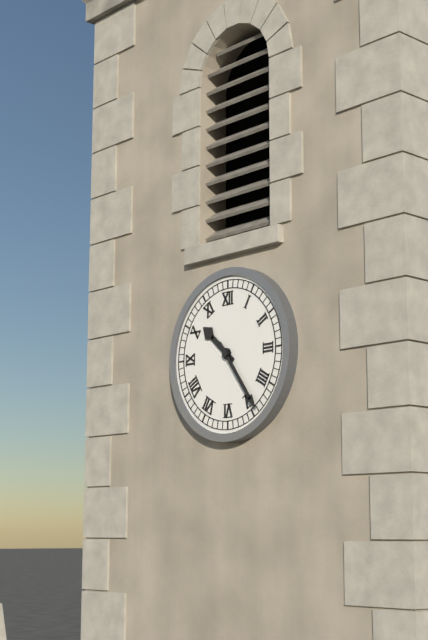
h=10 m=24
